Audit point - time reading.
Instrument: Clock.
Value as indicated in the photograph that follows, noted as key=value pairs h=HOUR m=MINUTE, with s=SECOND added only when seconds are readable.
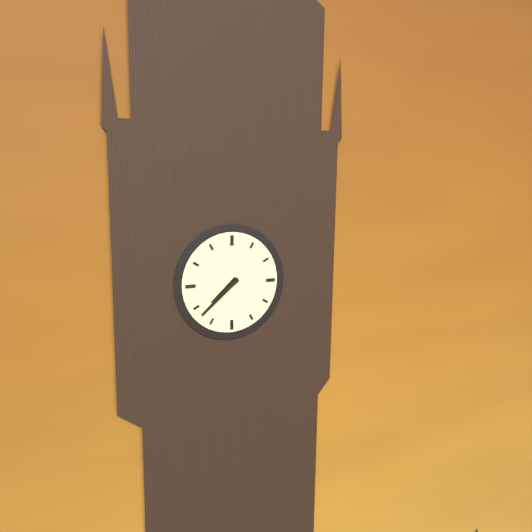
h=7 m=38
